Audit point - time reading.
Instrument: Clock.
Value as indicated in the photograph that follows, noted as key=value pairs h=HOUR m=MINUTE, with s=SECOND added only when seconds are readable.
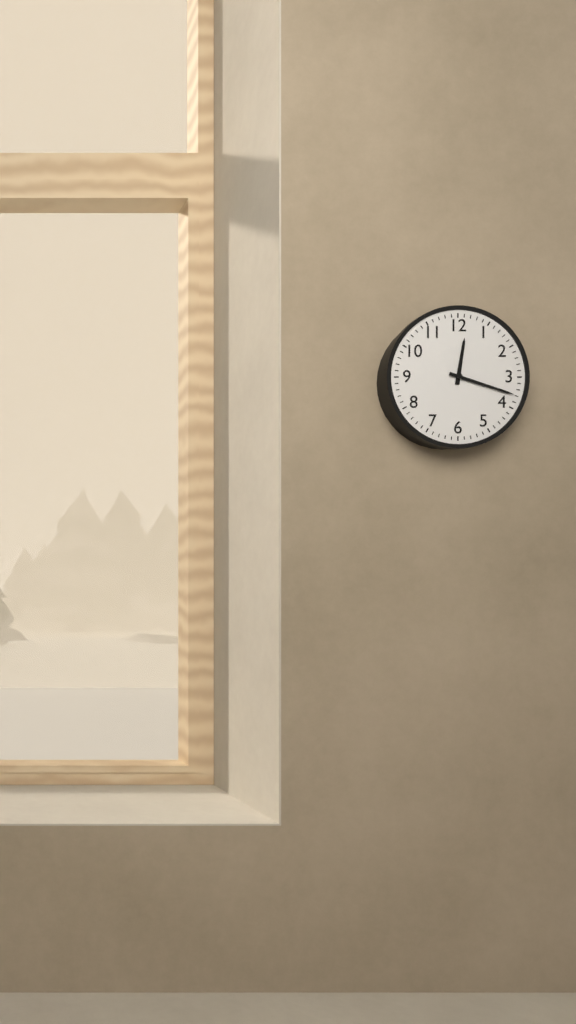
h=12 m=18
